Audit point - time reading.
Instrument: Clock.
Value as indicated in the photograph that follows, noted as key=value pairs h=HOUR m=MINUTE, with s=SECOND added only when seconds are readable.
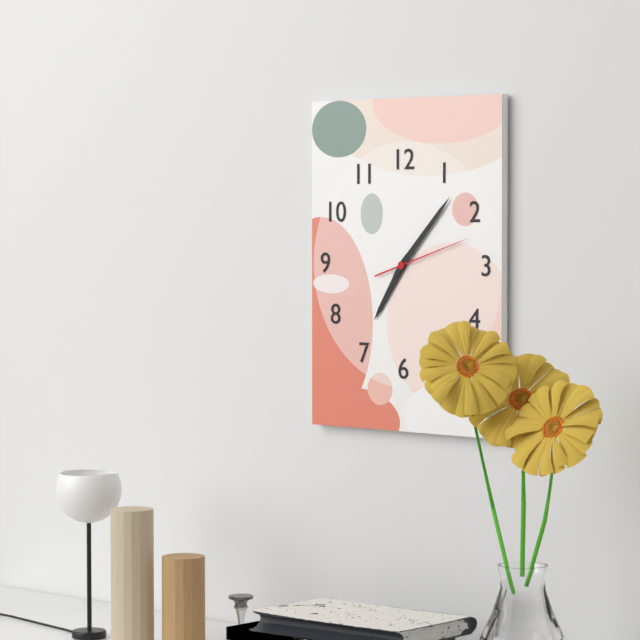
h=7 m=7 s=12
